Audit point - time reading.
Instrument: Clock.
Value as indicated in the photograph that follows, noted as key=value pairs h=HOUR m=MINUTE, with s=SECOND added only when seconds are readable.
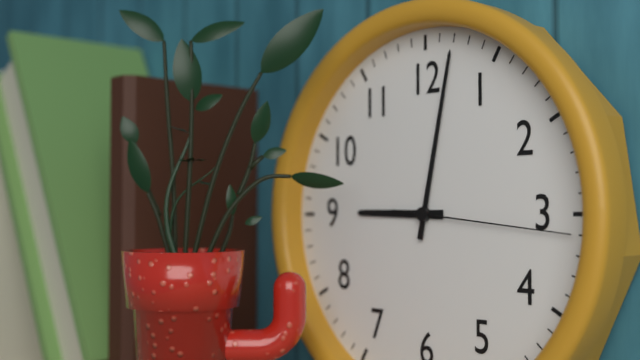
h=9 m=2 s=16
